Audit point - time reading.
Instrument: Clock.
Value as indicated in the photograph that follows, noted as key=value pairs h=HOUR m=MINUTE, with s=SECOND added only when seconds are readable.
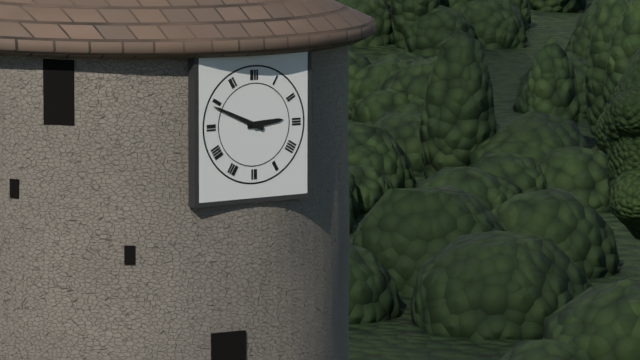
h=2 m=49
